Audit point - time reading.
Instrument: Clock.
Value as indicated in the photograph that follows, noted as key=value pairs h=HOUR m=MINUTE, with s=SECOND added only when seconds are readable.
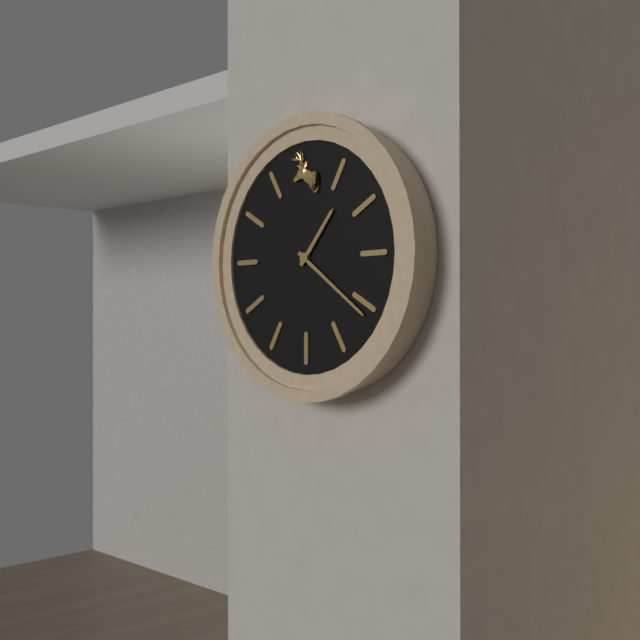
h=1 m=21
